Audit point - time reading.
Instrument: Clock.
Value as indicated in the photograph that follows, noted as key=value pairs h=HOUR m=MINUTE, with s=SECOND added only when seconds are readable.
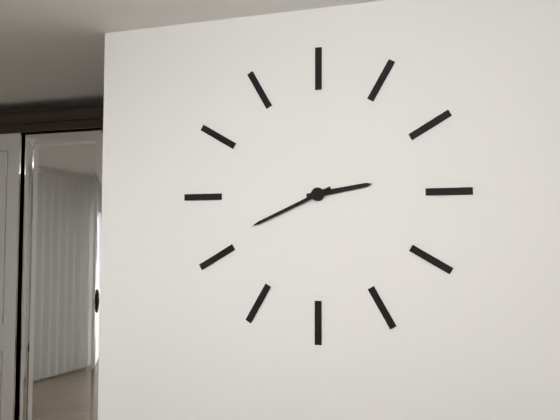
h=2 m=41
